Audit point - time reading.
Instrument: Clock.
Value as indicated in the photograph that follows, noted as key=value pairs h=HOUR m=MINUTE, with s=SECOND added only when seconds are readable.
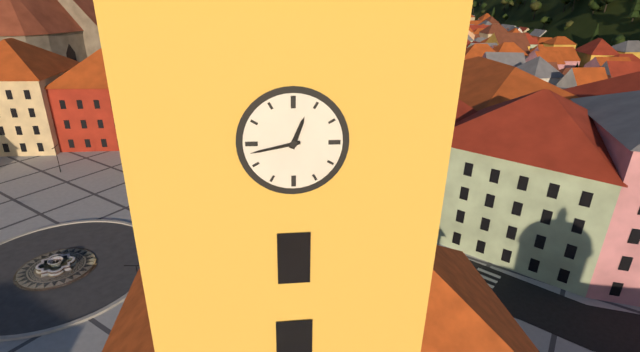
h=12 m=43
